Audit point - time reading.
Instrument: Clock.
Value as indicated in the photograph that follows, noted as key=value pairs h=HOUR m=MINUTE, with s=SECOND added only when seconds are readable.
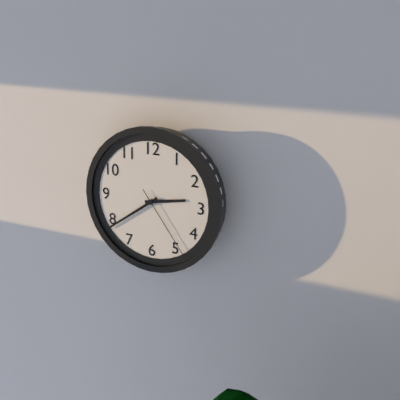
h=2 m=39 s=24
